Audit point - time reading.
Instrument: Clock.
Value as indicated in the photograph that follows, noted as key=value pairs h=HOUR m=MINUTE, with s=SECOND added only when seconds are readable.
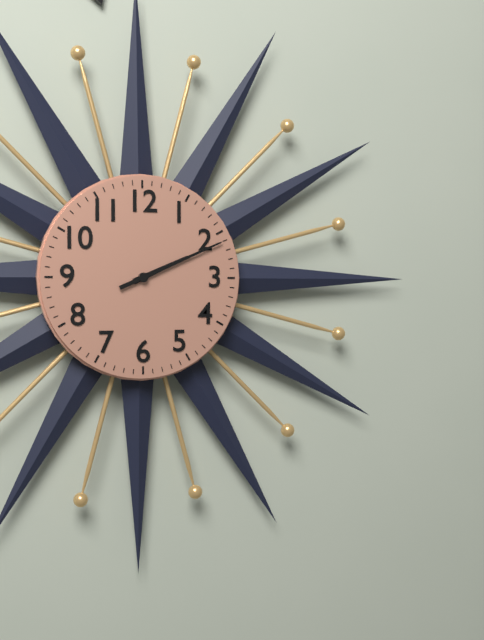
h=2 m=11
